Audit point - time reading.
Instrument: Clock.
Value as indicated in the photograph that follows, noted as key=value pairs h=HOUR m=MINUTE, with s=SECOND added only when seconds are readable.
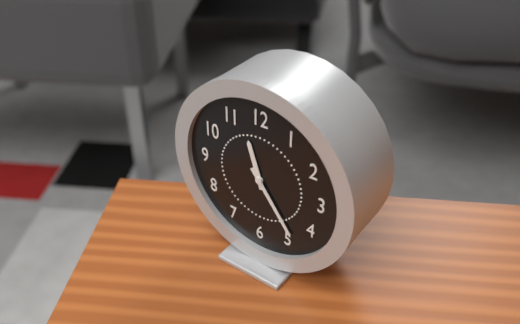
h=11 m=24
